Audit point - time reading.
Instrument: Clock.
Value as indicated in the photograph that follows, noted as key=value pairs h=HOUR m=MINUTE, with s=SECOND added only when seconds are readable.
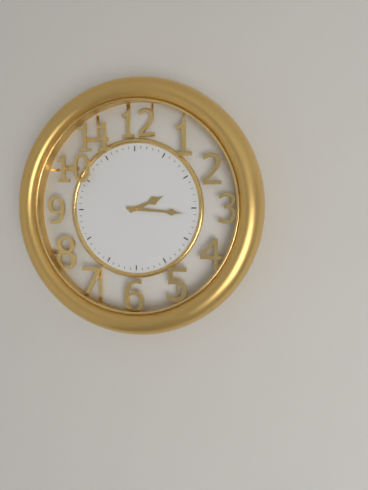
h=2 m=16
